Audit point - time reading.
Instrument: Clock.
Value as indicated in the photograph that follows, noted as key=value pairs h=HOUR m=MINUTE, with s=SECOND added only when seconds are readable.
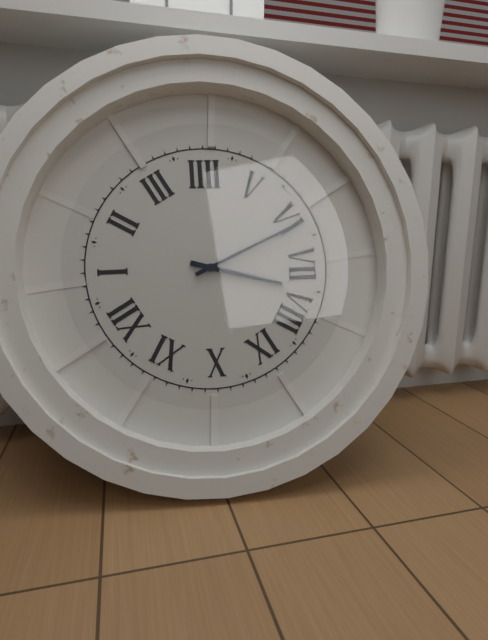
h=7 m=31
